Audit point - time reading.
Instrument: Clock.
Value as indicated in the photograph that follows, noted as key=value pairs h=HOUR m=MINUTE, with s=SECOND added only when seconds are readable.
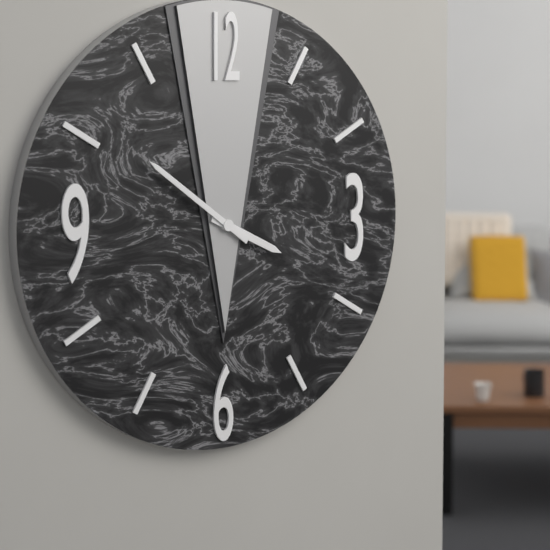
h=3 m=51
